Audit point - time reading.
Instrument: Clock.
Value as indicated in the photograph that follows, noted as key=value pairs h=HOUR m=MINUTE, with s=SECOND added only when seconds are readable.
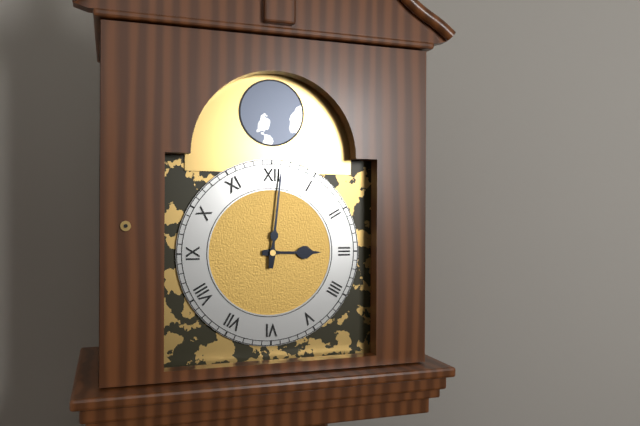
h=3 m=1
